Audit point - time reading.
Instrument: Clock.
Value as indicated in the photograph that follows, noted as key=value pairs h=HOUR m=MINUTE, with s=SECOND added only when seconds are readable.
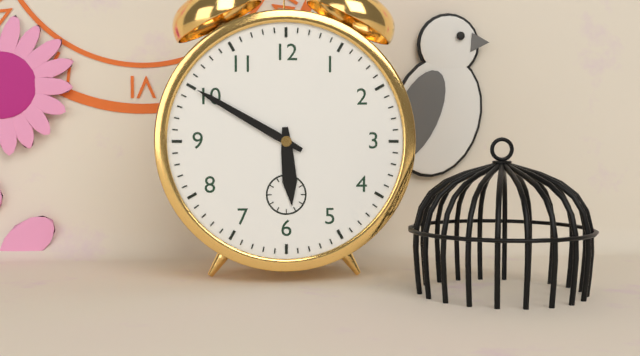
h=5 m=50
